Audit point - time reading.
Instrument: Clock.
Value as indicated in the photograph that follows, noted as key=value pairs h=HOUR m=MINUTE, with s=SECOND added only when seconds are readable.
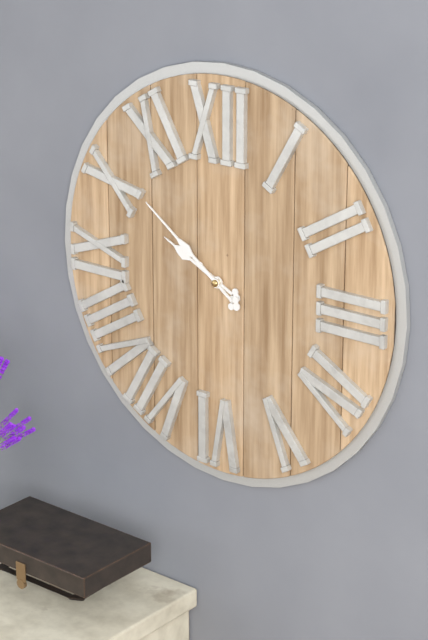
h=9 m=51
